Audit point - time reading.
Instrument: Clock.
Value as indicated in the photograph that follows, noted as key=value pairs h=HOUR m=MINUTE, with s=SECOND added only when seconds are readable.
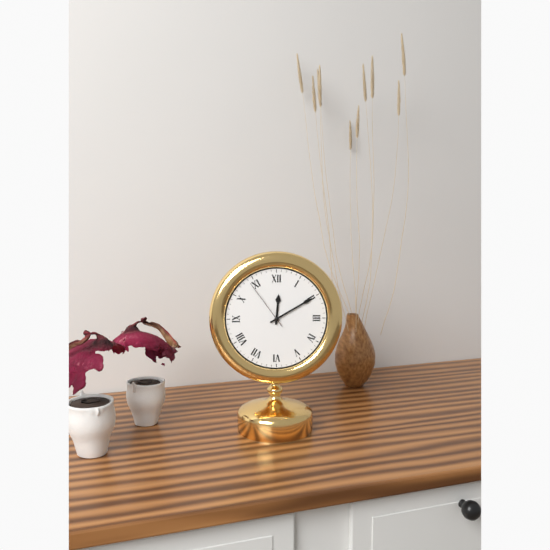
h=12 m=10 s=54
